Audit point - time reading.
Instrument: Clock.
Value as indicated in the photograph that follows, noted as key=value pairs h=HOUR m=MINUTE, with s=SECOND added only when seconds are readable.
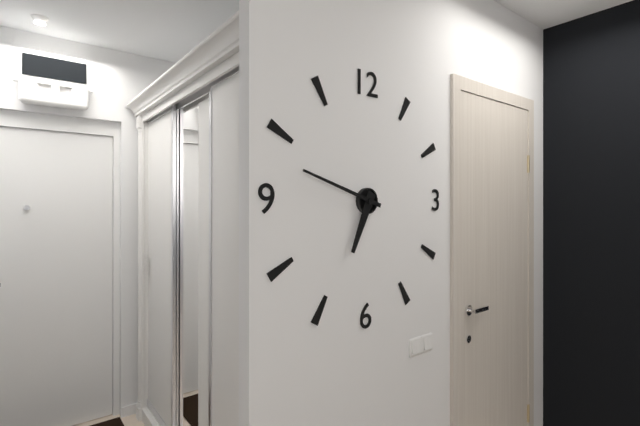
h=6 m=48
